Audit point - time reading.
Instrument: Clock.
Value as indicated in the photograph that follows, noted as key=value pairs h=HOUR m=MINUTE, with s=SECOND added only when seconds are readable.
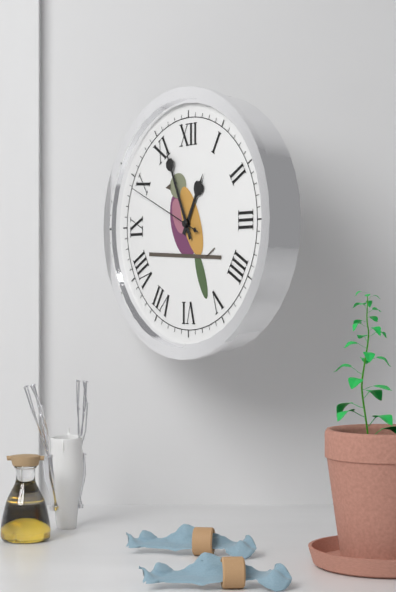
h=12 m=56 s=49
